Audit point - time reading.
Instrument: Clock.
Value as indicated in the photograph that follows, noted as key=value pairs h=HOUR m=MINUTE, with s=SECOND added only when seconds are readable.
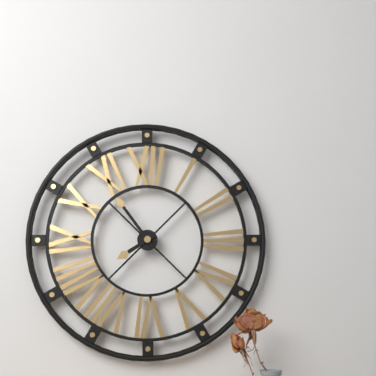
h=7 m=54
